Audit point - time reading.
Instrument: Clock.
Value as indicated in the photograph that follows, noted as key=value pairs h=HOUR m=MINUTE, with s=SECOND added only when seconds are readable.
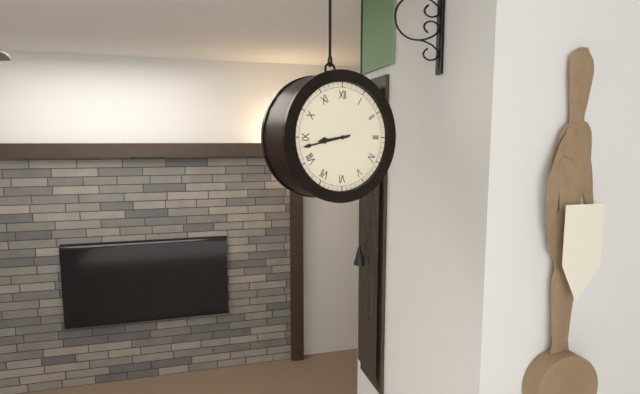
h=8 m=43
